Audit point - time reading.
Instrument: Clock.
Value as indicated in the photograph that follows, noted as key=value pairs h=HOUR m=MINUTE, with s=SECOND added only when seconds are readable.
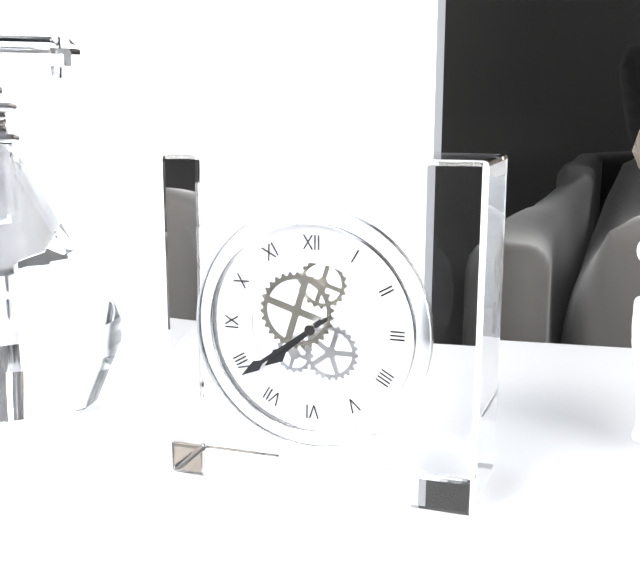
h=7 m=39
